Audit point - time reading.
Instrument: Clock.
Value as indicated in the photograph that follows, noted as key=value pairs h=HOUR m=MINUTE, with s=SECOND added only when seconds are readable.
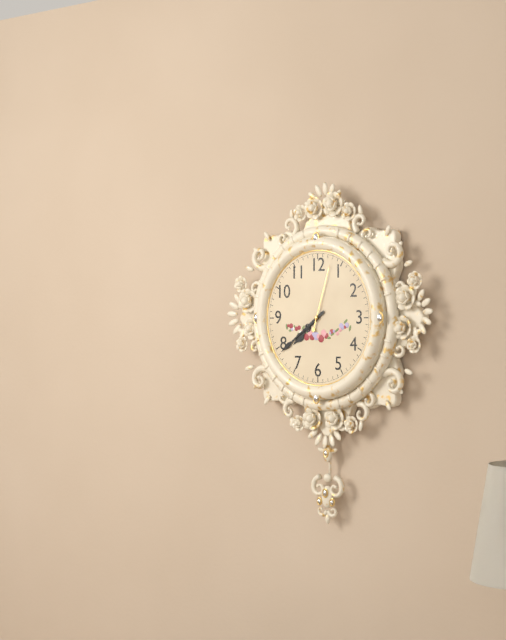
h=7 m=39 s=3
